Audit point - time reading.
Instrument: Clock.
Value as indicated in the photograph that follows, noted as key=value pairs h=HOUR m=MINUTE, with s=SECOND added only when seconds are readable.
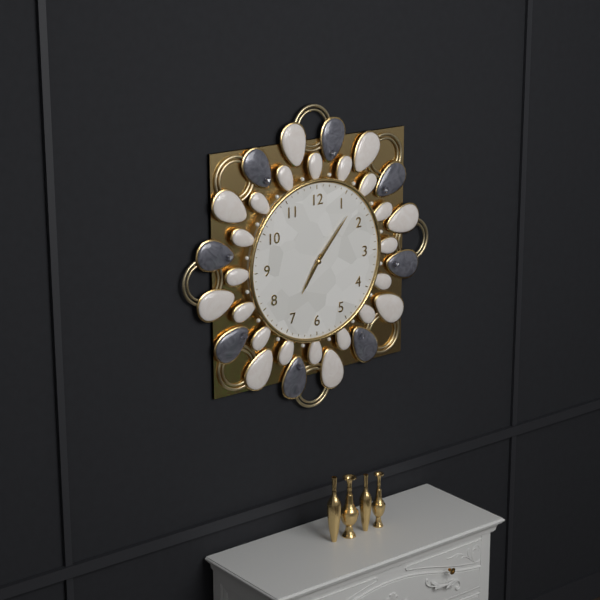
h=7 m=7
